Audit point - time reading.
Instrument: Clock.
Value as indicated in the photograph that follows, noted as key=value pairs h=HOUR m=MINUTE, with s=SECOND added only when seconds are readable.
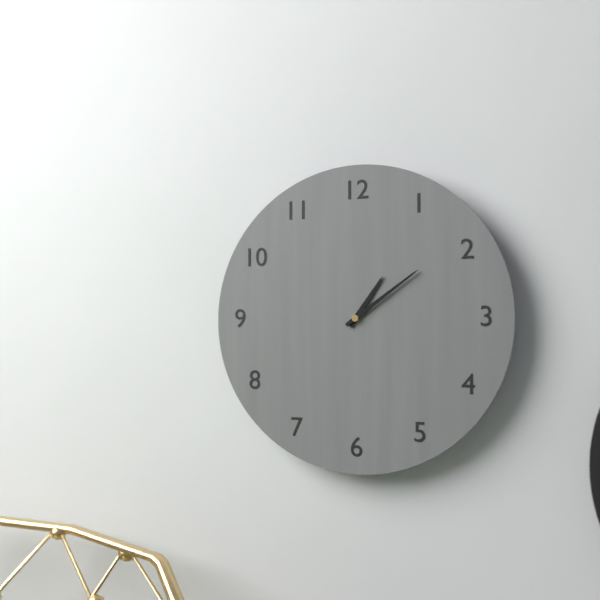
h=1 m=9
